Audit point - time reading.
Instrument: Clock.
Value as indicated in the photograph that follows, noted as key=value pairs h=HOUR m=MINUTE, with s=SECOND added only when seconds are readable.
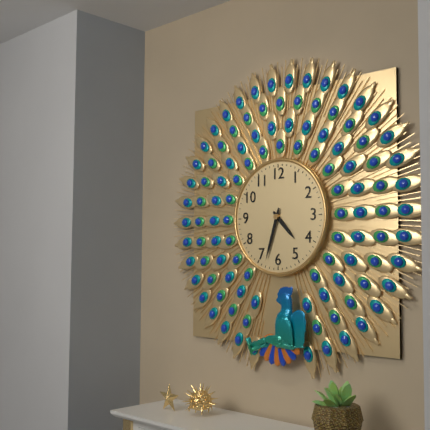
h=4 m=33
